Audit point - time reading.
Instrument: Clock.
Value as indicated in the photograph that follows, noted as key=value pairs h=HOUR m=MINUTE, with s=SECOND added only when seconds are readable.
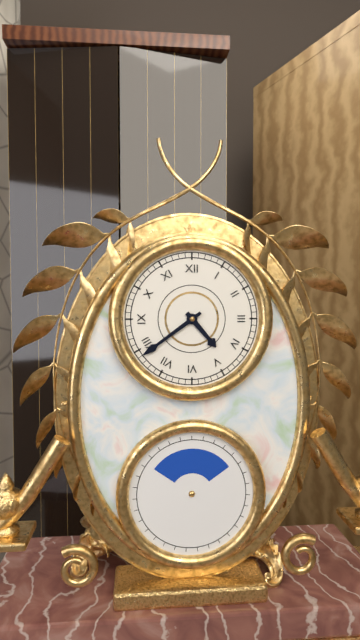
h=4 m=39
